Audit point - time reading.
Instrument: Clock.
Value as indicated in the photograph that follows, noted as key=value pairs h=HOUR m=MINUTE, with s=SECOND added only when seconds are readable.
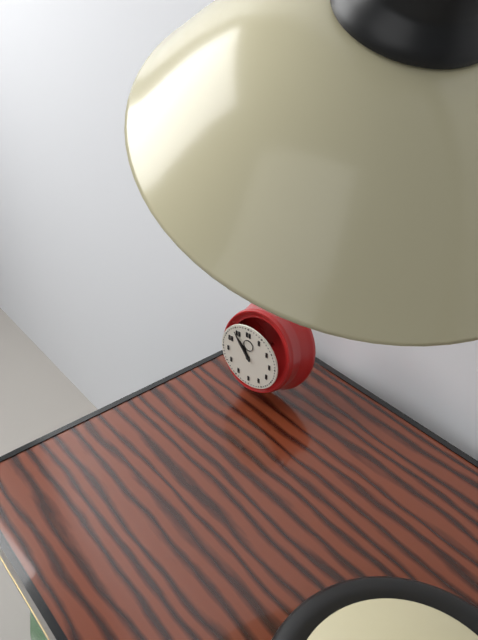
h=10 m=54
